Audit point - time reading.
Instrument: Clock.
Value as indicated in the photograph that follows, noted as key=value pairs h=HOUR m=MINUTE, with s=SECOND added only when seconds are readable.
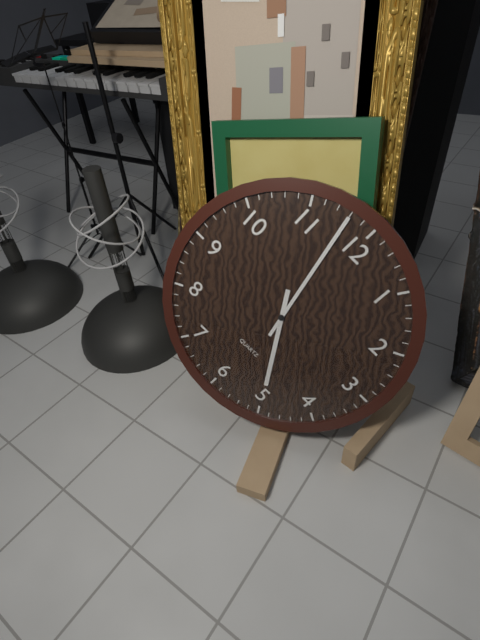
h=4 m=58
